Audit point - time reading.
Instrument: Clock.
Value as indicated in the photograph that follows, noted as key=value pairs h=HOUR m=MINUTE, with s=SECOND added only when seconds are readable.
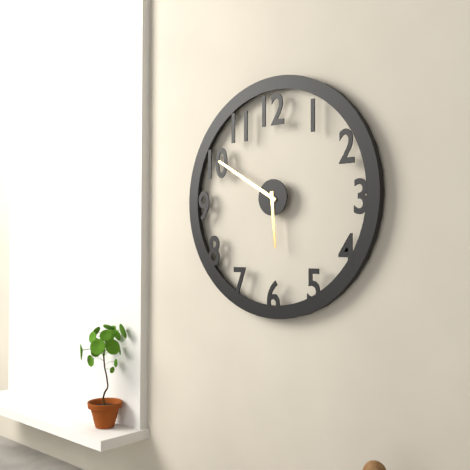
h=5 m=50
